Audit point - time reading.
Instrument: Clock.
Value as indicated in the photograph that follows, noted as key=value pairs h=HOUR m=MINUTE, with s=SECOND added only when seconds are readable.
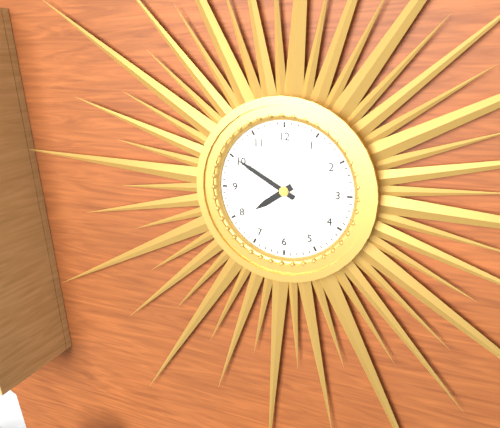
h=7 m=50
